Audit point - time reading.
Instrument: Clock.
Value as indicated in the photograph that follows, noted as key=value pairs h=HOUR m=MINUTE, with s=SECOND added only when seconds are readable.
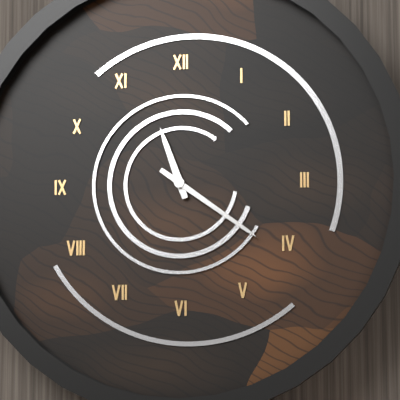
h=11 m=21
